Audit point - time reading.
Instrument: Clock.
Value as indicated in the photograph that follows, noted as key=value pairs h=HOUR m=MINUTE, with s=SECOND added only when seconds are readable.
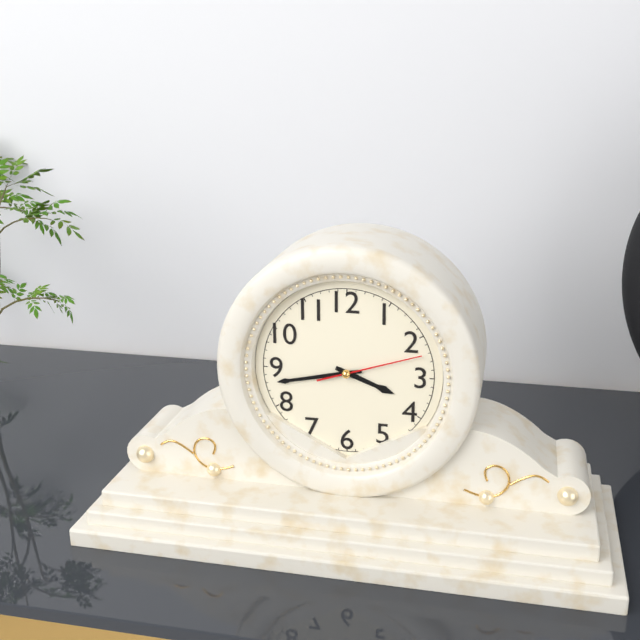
h=3 m=43 s=12
